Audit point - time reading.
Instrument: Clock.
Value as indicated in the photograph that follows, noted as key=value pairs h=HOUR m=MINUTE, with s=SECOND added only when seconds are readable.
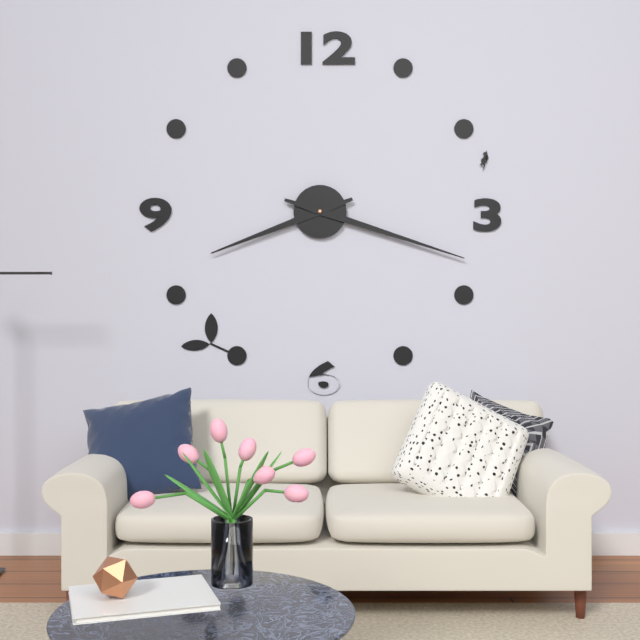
h=8 m=18
